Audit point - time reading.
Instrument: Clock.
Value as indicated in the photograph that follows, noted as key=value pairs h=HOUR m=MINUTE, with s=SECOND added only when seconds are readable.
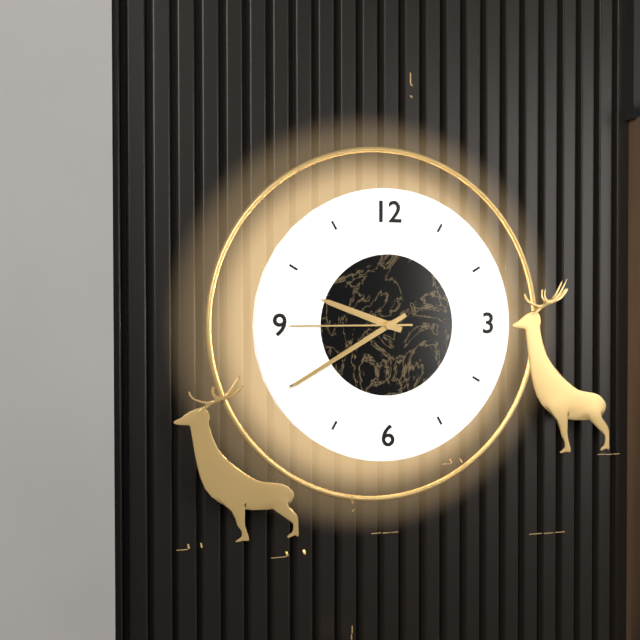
h=9 m=40 s=45
